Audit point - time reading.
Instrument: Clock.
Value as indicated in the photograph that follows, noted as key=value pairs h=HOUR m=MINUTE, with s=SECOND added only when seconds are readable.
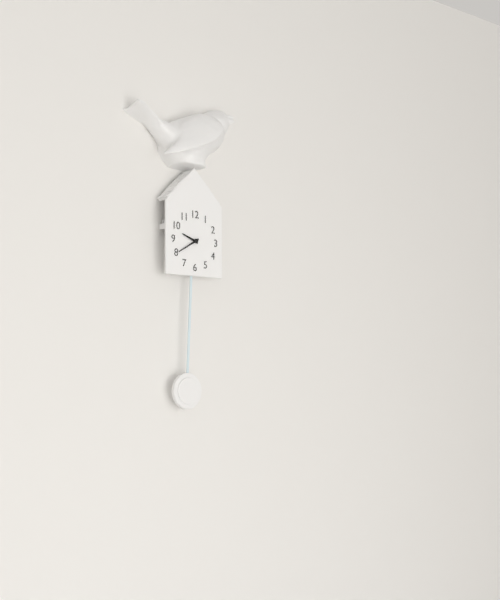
h=9 m=40
